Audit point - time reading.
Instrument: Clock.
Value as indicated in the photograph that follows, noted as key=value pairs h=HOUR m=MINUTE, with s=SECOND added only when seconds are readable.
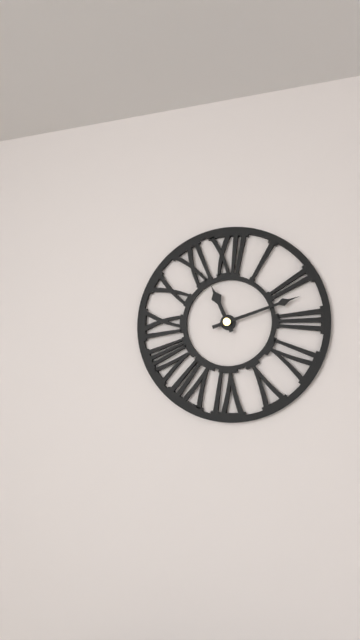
h=11 m=12
